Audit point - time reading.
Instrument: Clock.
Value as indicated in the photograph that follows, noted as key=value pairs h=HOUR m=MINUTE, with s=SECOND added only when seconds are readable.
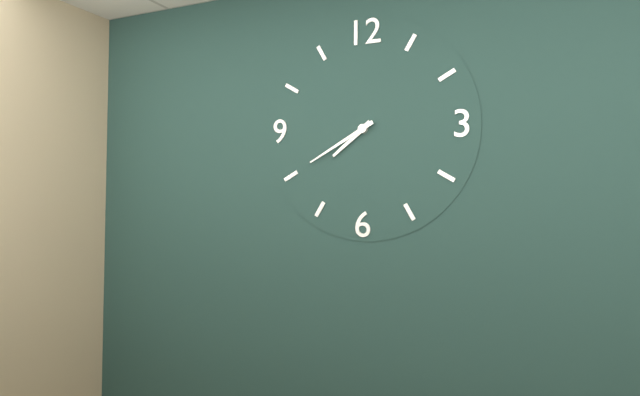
h=7 m=40
